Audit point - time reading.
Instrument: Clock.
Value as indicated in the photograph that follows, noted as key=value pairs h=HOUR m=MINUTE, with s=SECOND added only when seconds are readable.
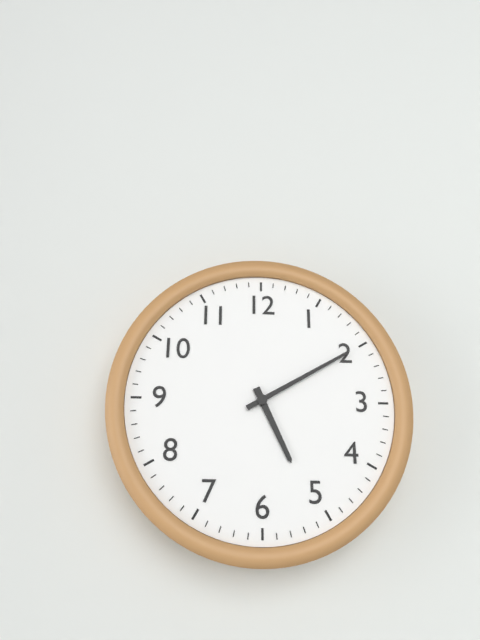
h=5 m=10
